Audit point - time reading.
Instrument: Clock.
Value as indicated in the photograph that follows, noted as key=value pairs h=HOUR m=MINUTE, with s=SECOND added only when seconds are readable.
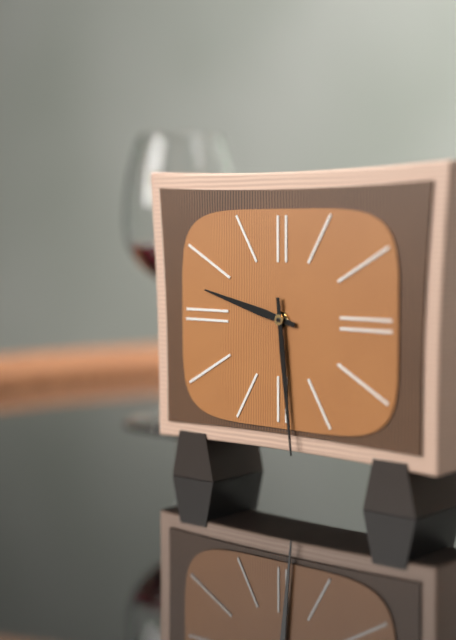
h=9 m=29
